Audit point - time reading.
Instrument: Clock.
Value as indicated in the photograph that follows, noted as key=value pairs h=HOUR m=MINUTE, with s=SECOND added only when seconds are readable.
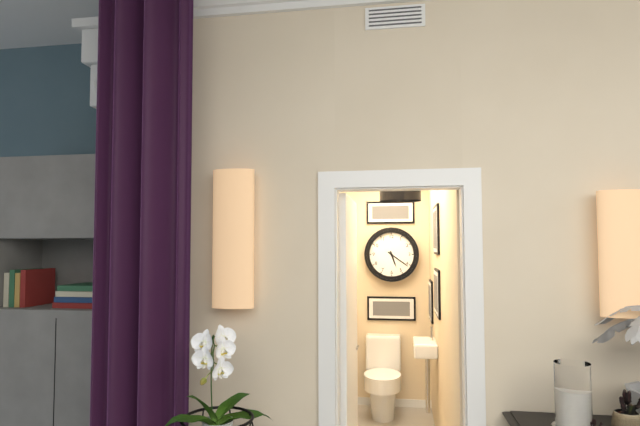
h=5 m=21
